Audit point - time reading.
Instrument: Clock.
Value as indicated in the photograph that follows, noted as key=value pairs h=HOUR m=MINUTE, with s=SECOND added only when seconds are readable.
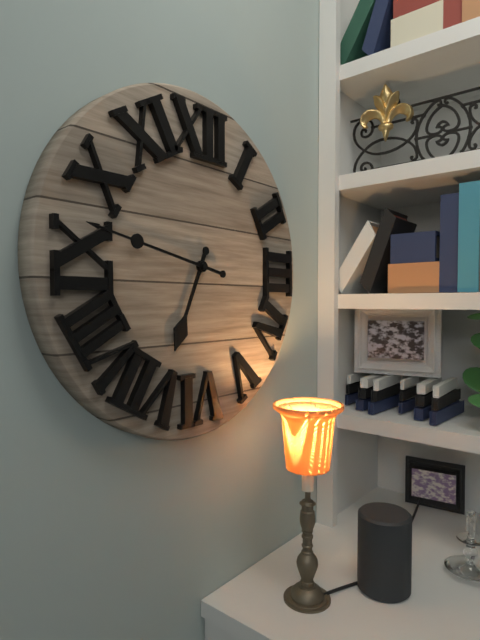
h=6 m=47
